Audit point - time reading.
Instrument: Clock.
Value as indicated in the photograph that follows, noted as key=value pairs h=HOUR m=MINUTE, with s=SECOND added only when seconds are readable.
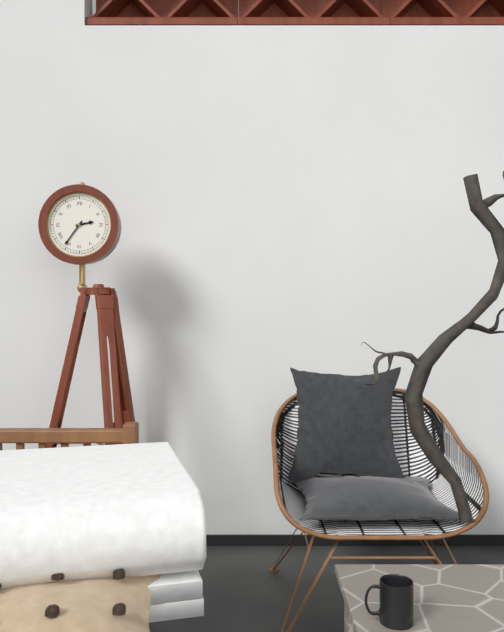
h=2 m=36
